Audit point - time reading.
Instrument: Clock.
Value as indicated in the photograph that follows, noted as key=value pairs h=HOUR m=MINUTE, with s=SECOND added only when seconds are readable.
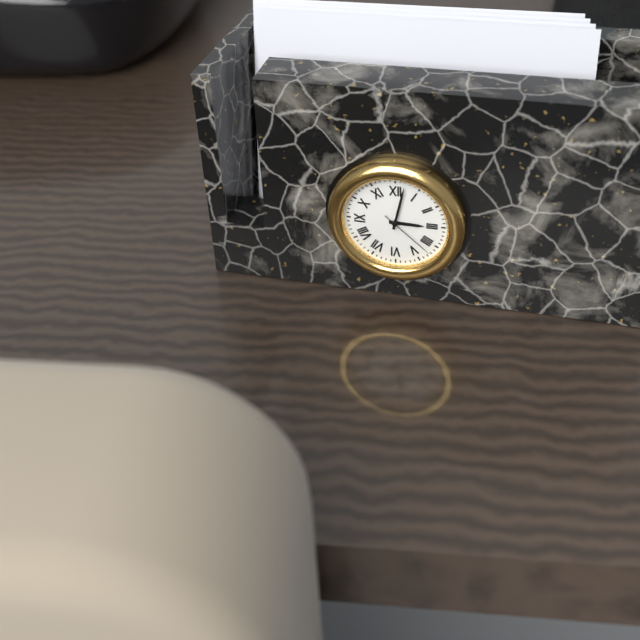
h=3 m=2 s=22
